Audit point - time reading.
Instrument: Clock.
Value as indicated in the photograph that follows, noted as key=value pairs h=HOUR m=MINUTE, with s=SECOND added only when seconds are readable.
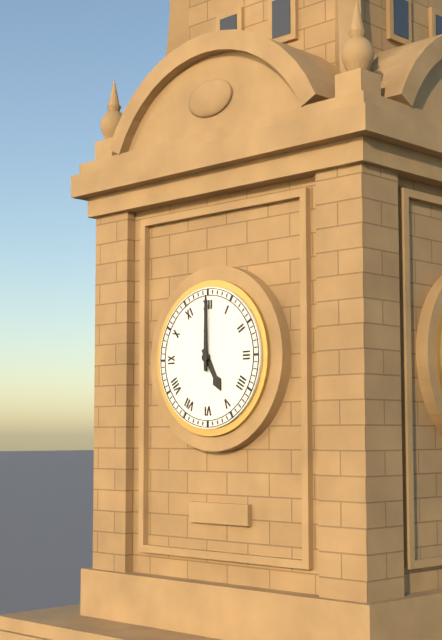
h=5 m=0
